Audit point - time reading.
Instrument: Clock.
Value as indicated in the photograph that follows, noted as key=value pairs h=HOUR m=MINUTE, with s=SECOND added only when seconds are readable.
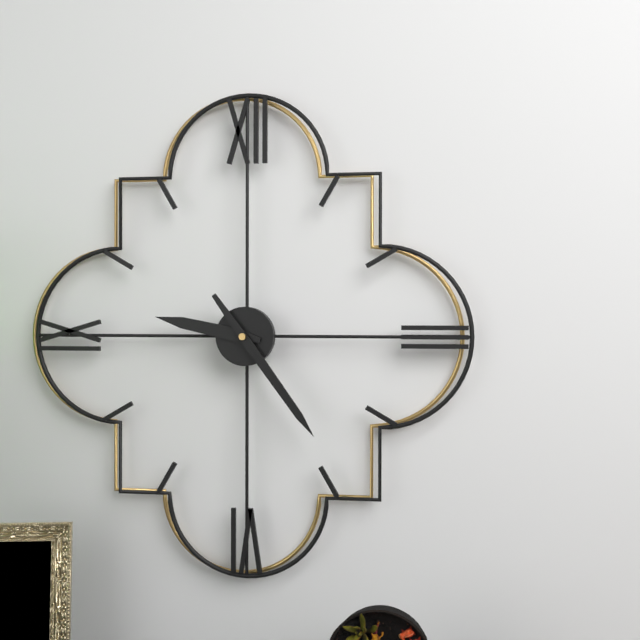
h=9 m=24
